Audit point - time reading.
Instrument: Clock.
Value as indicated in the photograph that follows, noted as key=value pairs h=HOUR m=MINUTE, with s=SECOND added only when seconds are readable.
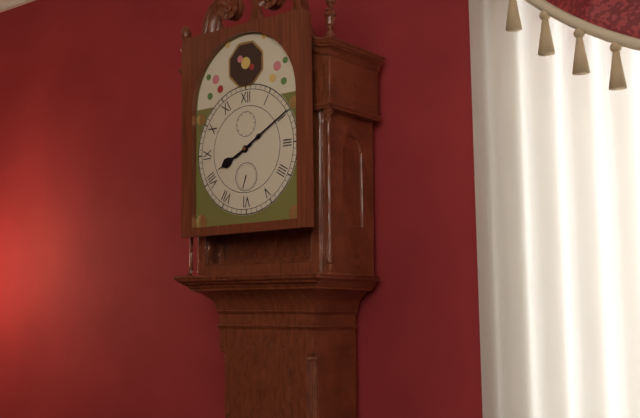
h=8 m=10
